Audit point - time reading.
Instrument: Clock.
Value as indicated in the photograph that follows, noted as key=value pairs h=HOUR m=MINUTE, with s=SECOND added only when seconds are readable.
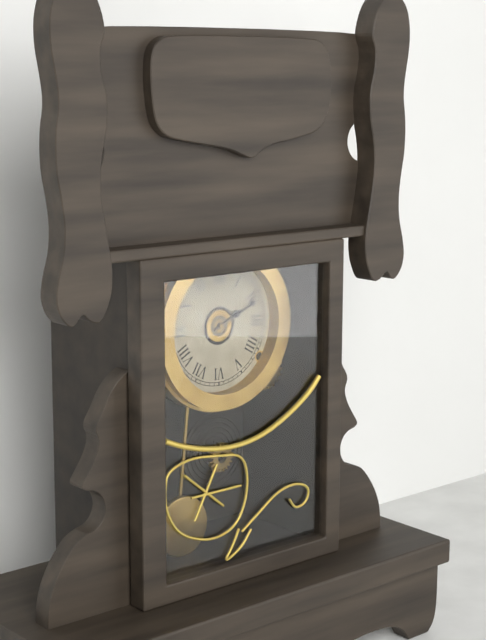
h=2 m=11
